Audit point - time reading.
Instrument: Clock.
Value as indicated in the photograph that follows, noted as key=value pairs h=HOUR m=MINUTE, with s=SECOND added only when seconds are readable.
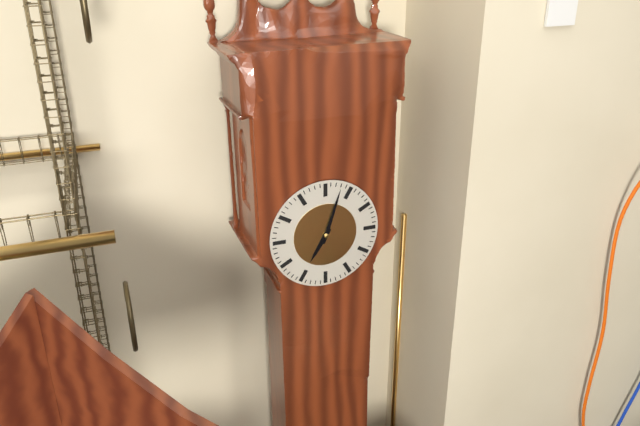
h=7 m=3
